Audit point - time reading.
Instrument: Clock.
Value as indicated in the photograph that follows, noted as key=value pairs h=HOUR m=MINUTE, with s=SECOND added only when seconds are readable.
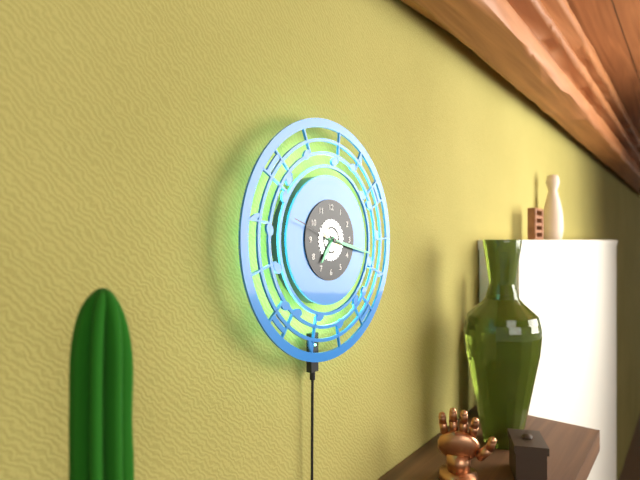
h=7 m=17
